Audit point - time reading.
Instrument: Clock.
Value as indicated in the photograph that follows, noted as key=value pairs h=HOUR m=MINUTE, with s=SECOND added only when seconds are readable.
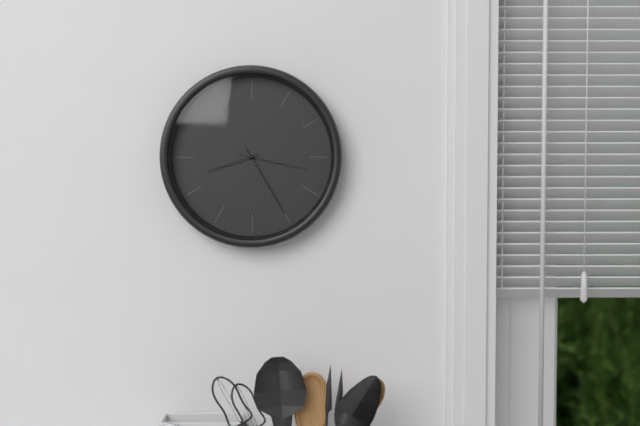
h=8 m=25 s=17
